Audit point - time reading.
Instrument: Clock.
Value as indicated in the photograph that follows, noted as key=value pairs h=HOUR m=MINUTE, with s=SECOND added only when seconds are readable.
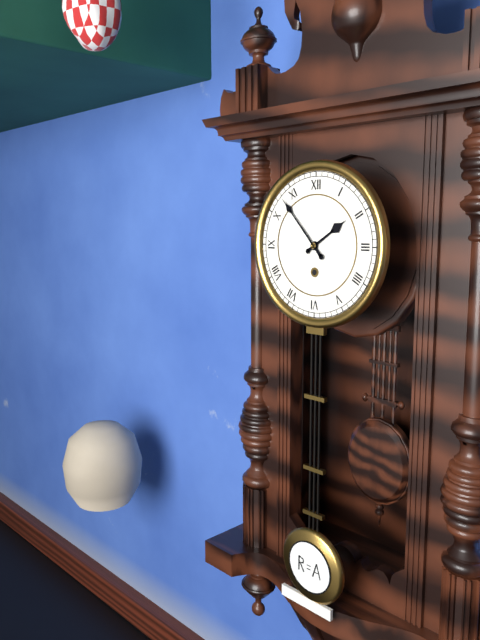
h=1 m=53
